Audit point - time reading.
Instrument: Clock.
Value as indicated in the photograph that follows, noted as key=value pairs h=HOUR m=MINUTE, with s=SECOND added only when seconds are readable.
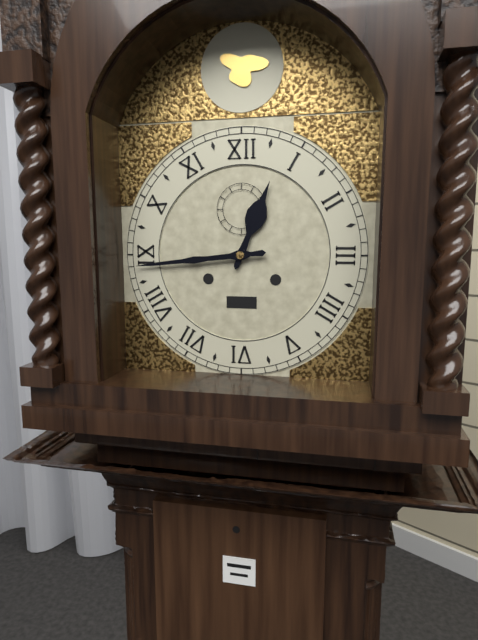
h=12 m=44
